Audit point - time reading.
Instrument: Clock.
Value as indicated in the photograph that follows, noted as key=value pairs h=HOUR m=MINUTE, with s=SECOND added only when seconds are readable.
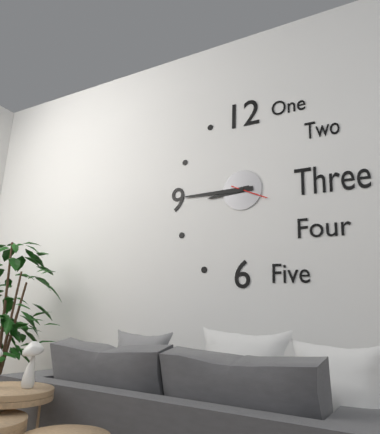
h=8 m=45
